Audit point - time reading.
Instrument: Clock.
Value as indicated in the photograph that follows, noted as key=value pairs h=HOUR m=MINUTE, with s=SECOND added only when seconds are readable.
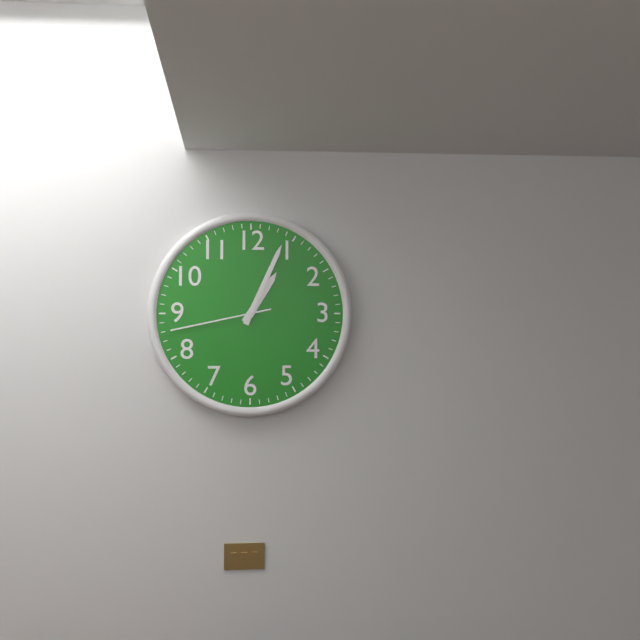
h=1 m=4 s=43
